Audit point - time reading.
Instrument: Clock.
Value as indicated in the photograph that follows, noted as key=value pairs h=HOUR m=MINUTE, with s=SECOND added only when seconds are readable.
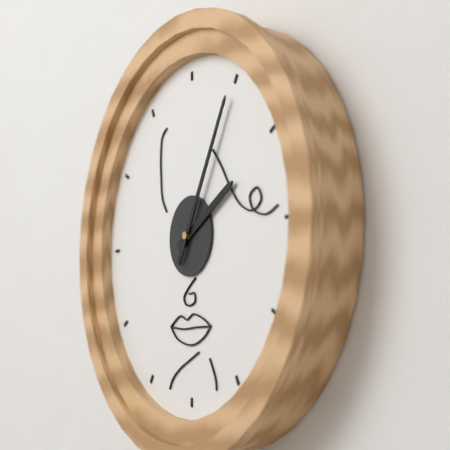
h=2 m=5
